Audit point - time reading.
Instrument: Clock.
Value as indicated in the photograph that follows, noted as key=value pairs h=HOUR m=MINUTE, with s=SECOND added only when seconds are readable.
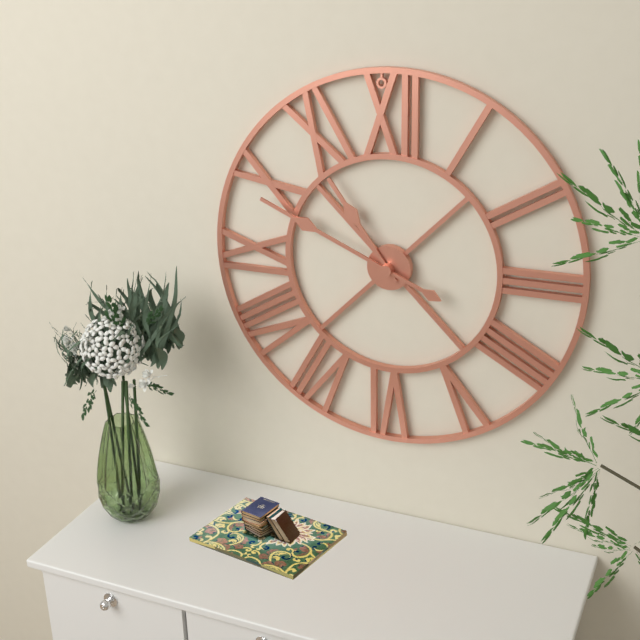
h=10 m=49
